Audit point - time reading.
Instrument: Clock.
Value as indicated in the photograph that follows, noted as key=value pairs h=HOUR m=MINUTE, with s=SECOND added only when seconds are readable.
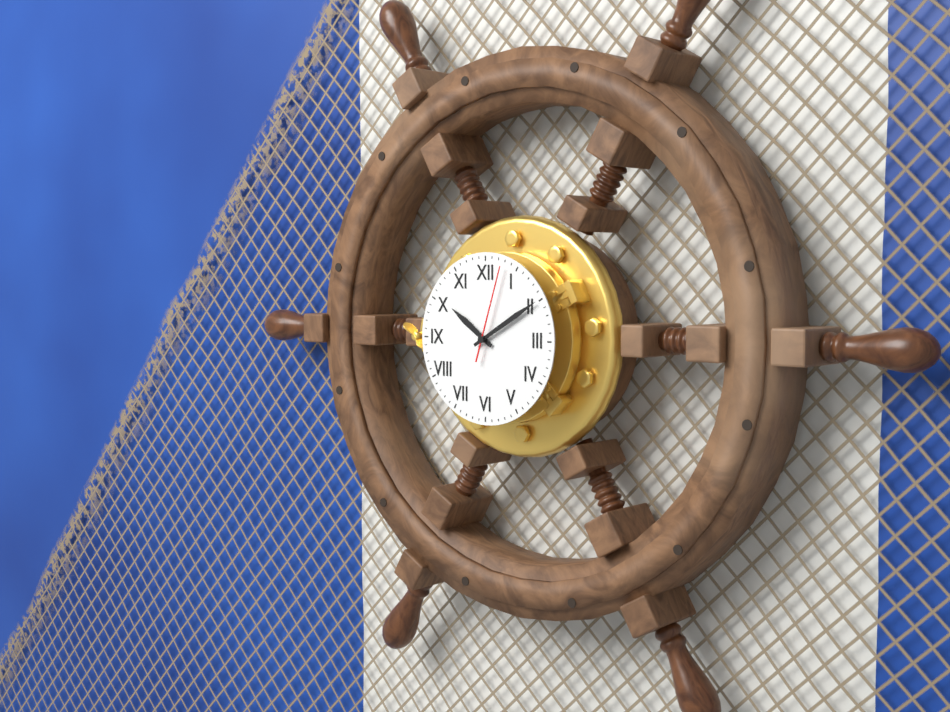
h=10 m=10 s=3
